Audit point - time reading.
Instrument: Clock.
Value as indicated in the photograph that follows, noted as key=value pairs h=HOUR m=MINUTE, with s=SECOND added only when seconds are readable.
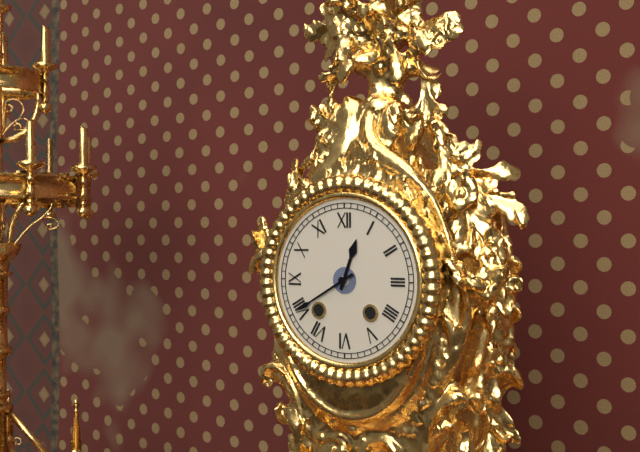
h=12 m=40
